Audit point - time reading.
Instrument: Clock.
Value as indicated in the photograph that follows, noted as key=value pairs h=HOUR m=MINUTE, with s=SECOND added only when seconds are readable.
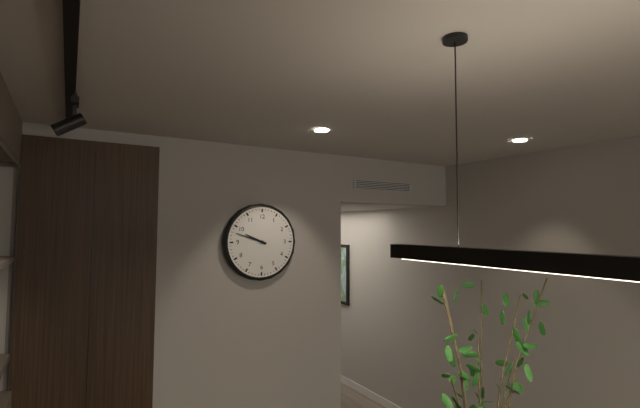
h=9 m=48
